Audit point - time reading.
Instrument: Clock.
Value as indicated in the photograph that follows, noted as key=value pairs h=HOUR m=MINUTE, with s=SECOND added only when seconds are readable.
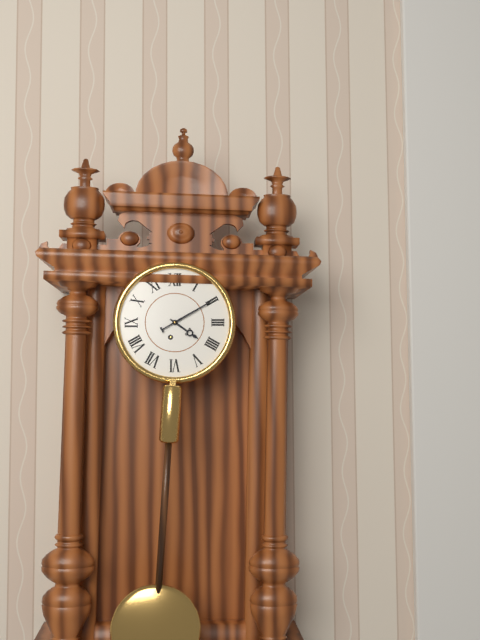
h=4 m=10
